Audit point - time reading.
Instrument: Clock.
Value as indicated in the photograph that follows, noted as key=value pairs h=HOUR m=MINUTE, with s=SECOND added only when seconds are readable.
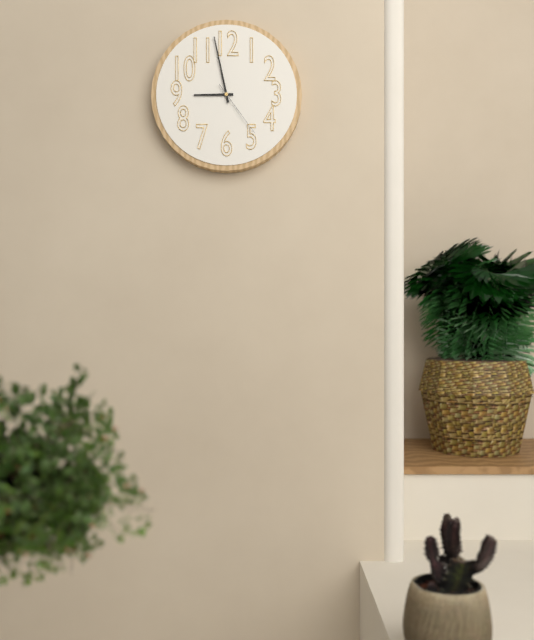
h=8 m=58 s=24
